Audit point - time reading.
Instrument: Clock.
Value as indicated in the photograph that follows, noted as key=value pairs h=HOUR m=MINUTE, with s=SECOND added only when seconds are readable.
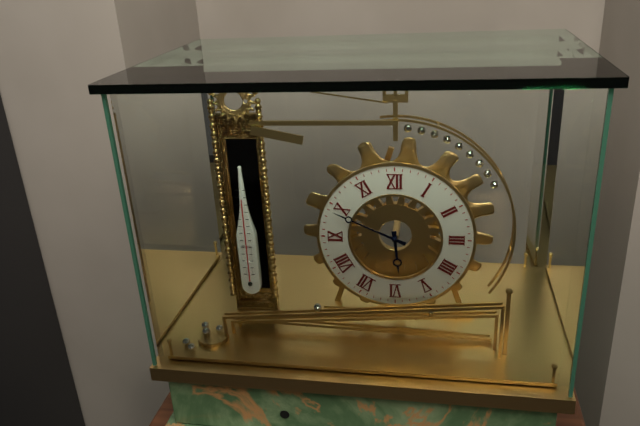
h=5 m=49
